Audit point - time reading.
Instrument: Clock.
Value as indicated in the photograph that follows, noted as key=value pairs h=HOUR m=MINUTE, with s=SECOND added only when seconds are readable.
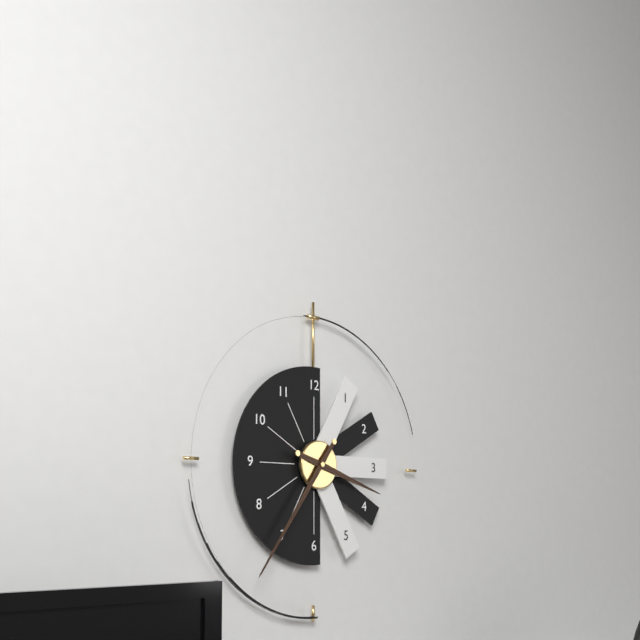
h=3 m=36
